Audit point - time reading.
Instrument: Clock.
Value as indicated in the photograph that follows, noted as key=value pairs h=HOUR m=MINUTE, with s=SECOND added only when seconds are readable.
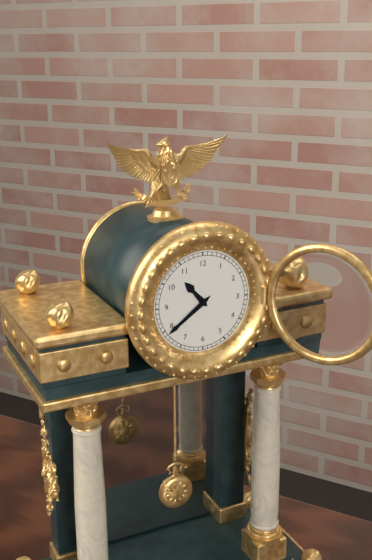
h=10 m=39
